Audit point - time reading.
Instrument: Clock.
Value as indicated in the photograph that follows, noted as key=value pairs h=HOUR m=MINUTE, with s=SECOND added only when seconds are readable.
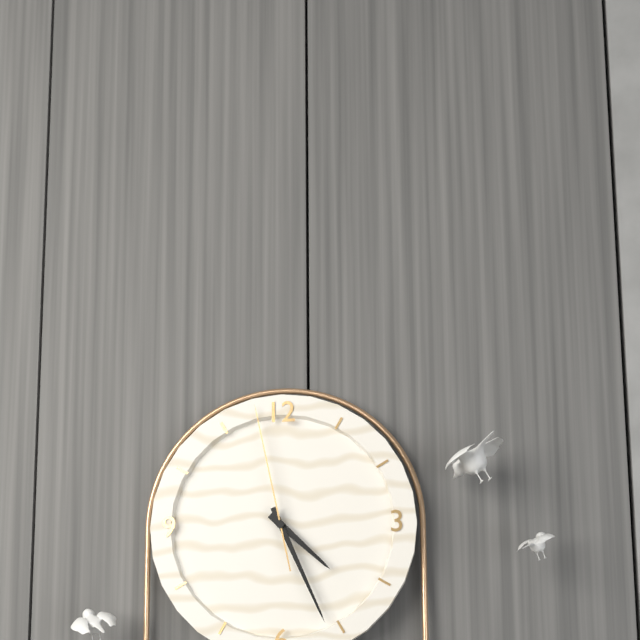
h=4 m=26 s=58
